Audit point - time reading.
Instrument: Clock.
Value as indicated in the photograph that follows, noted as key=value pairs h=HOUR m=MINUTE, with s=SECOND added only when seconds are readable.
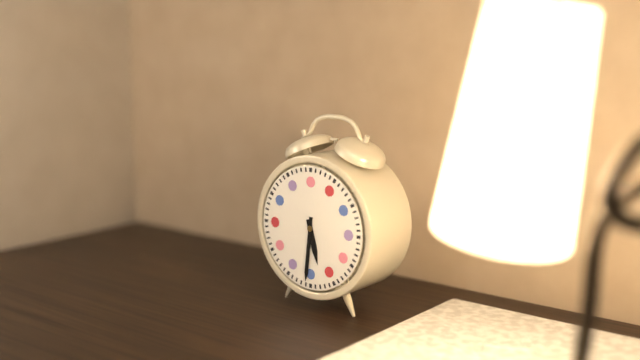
h=5 m=31
